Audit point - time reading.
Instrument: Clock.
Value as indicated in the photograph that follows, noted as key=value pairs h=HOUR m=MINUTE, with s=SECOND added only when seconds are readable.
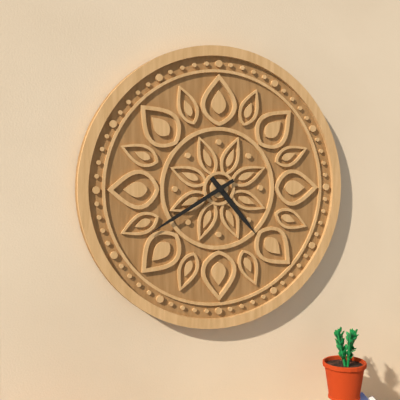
h=4 m=40
